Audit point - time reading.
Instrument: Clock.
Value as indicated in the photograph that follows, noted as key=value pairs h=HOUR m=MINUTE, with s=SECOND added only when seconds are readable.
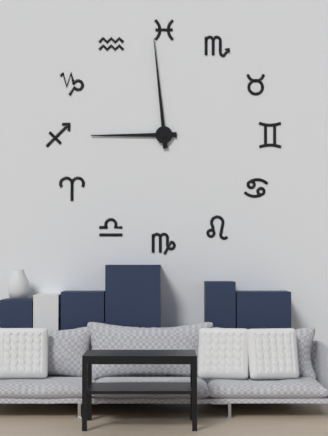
h=8 m=59
